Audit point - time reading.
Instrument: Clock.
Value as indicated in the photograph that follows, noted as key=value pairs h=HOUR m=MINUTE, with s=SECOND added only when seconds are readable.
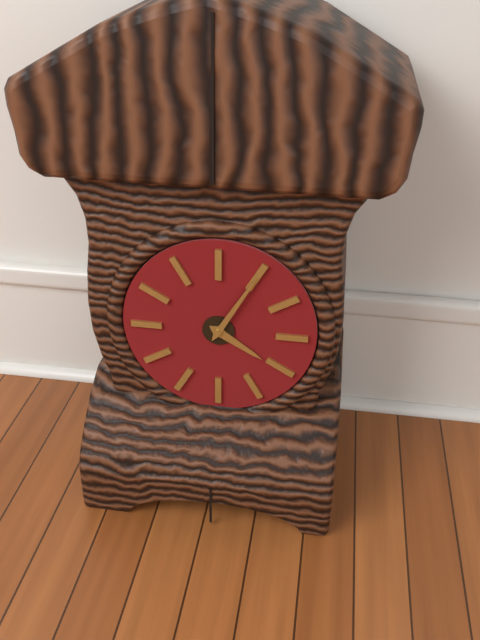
h=4 m=5
